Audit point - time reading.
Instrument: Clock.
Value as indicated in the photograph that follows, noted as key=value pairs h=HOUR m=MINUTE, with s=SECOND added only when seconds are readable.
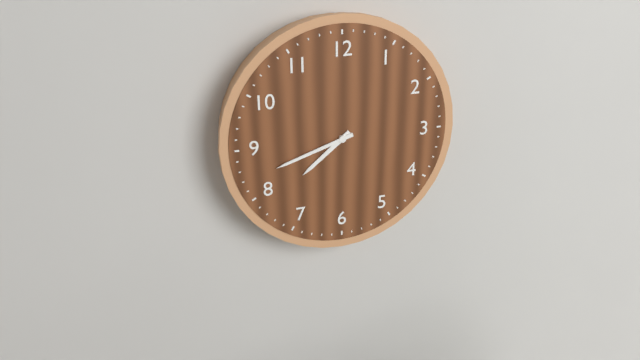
h=7 m=42
